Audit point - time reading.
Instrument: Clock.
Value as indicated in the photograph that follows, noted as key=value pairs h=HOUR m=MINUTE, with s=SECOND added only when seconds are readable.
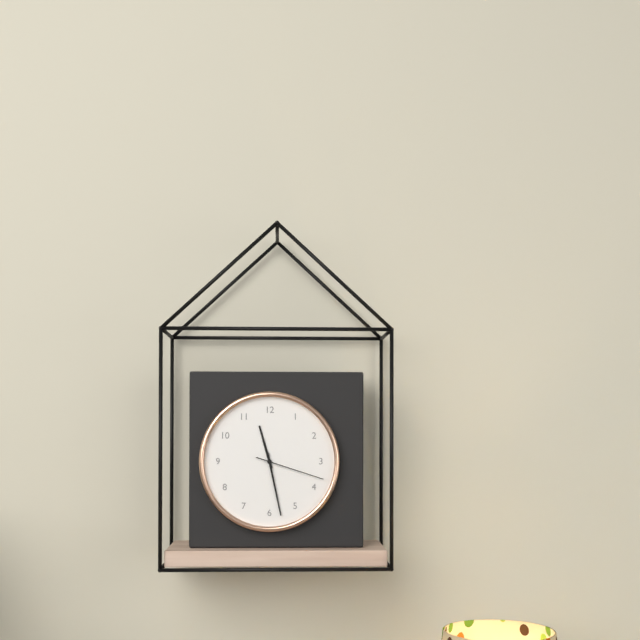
h=11 m=28 s=18
